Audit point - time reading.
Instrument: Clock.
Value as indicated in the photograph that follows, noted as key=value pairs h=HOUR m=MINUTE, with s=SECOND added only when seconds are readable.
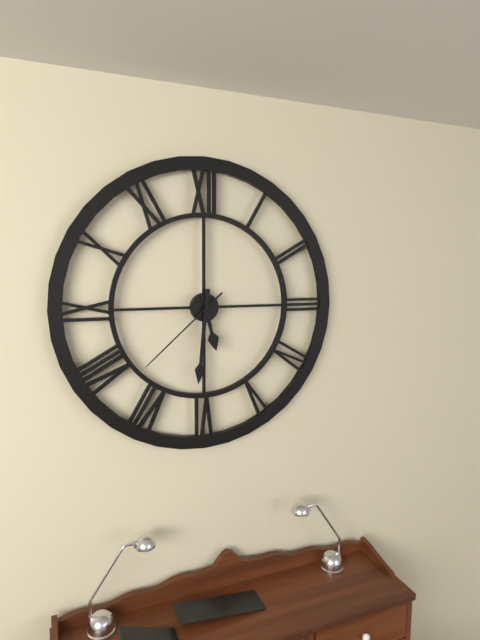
h=5 m=31 s=38
